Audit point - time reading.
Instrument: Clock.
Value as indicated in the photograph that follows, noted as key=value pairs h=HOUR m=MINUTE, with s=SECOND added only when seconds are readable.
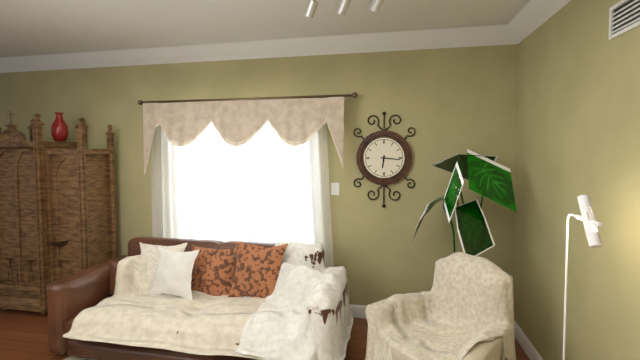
h=6 m=16
